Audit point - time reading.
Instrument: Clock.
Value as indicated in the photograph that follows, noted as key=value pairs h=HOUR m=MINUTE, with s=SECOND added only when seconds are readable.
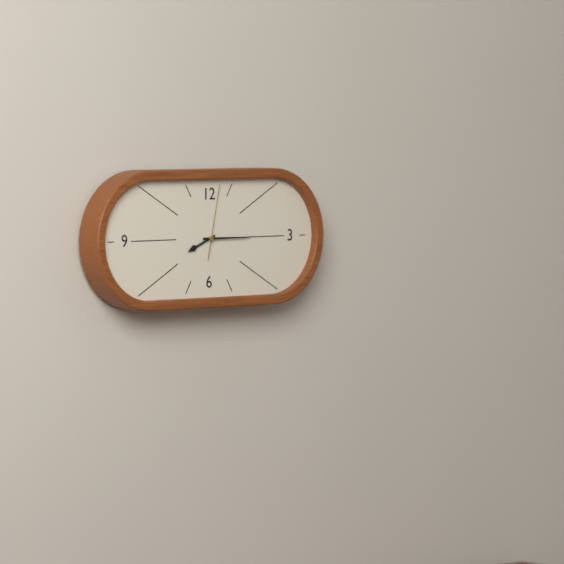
h=8 m=15 s=2
